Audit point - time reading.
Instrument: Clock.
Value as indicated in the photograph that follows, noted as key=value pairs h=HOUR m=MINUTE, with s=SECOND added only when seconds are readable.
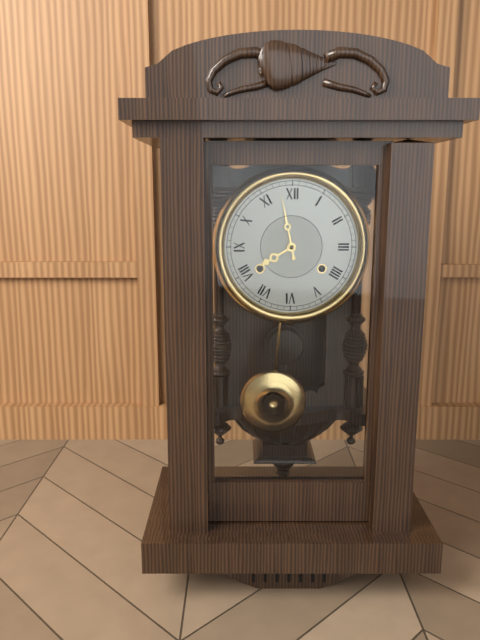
h=7 m=58
